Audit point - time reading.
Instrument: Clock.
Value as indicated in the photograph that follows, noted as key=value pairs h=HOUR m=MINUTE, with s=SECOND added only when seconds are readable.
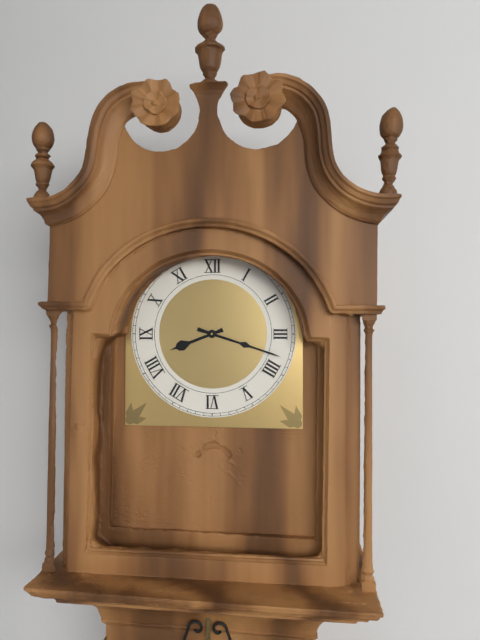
h=8 m=18
